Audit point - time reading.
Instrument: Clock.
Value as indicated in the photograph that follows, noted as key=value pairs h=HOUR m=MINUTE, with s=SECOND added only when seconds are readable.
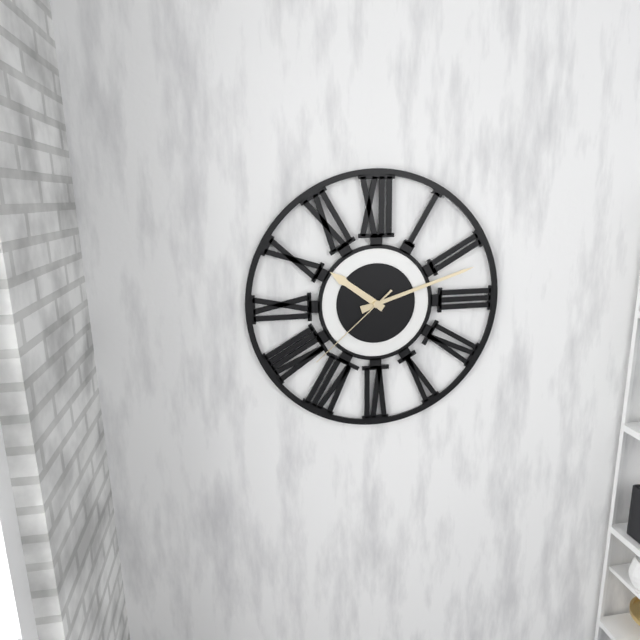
h=10 m=12 s=38
